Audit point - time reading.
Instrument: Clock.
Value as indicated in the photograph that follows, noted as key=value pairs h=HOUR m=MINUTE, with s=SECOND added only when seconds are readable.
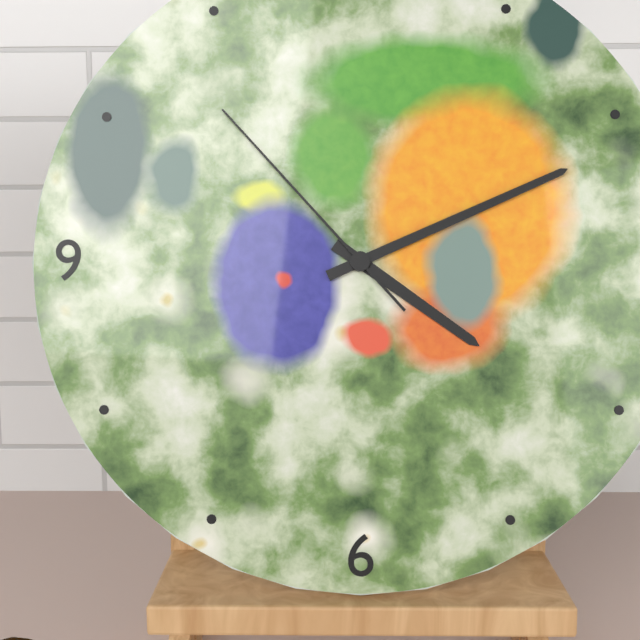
h=4 m=11 s=53
